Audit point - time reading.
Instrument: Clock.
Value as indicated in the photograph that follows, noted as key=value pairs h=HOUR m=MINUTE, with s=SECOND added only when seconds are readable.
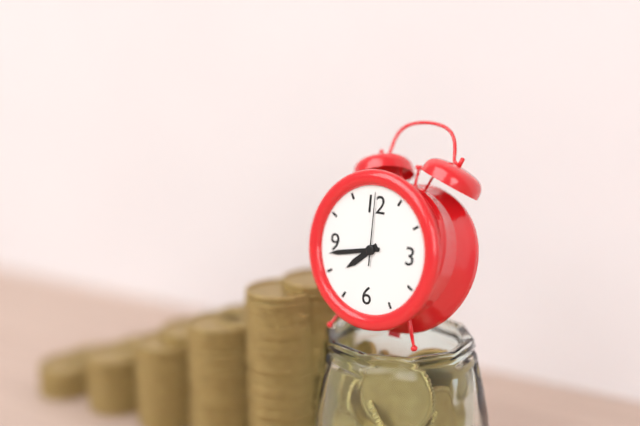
h=7 m=43 s=0
